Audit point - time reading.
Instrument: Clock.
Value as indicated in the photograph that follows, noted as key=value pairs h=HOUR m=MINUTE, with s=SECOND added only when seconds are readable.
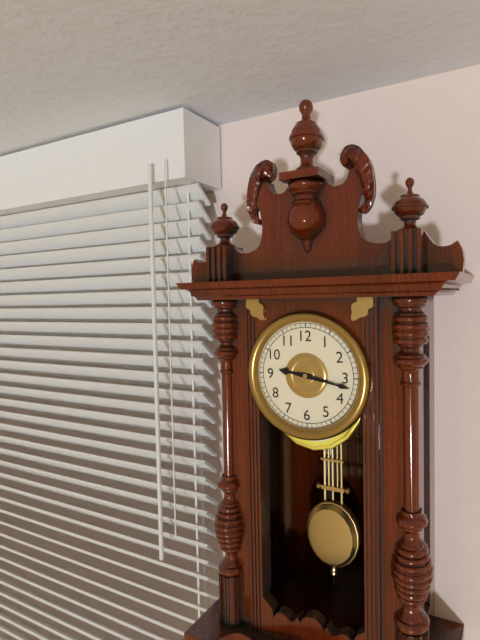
h=9 m=17
